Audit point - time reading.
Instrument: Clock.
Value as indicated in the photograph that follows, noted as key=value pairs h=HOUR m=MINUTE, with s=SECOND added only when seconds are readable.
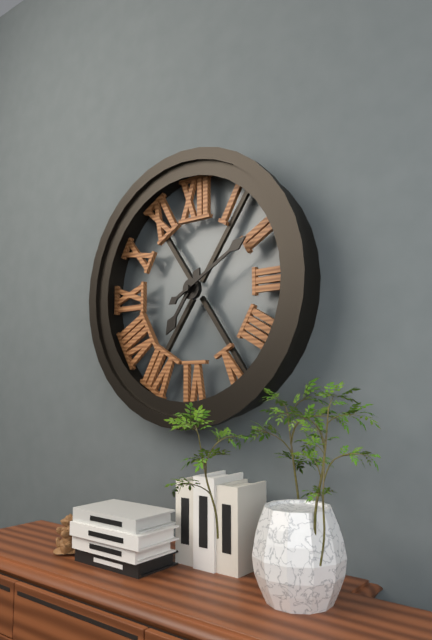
h=7 m=10
